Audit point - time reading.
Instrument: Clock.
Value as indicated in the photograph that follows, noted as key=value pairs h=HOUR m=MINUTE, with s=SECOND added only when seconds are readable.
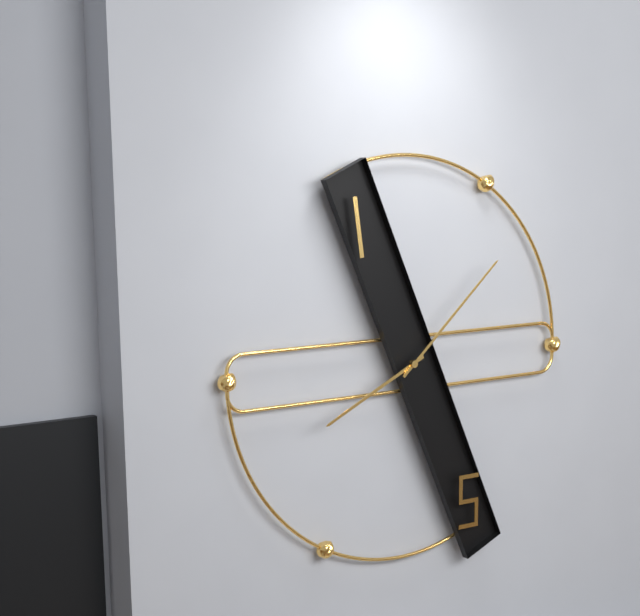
h=8 m=8
